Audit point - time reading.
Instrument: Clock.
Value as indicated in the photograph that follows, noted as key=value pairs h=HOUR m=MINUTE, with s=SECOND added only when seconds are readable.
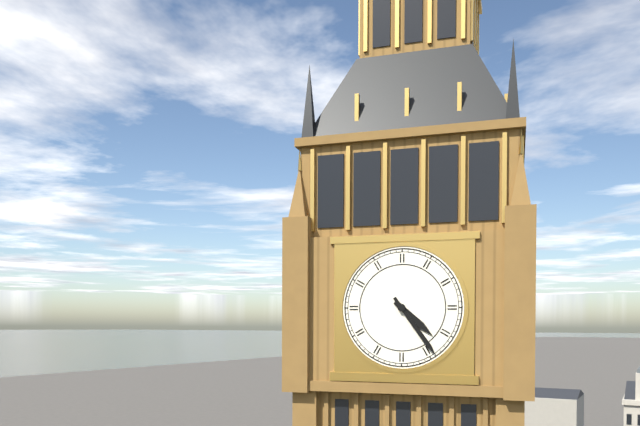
h=4 m=24
